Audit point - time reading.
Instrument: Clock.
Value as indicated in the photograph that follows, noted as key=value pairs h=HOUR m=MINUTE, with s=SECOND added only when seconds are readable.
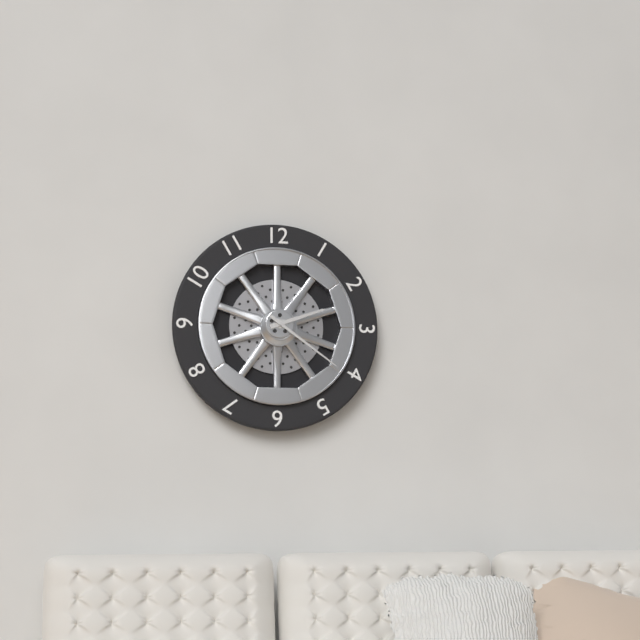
h=2 m=21
